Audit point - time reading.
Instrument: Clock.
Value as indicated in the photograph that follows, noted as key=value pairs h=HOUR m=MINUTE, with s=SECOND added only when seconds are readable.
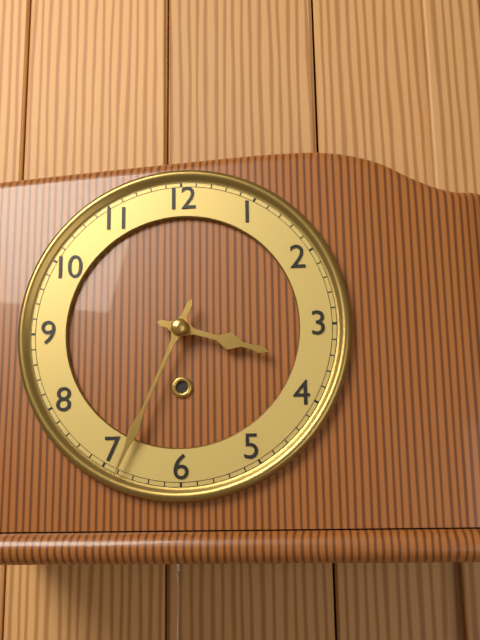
h=3 m=34
